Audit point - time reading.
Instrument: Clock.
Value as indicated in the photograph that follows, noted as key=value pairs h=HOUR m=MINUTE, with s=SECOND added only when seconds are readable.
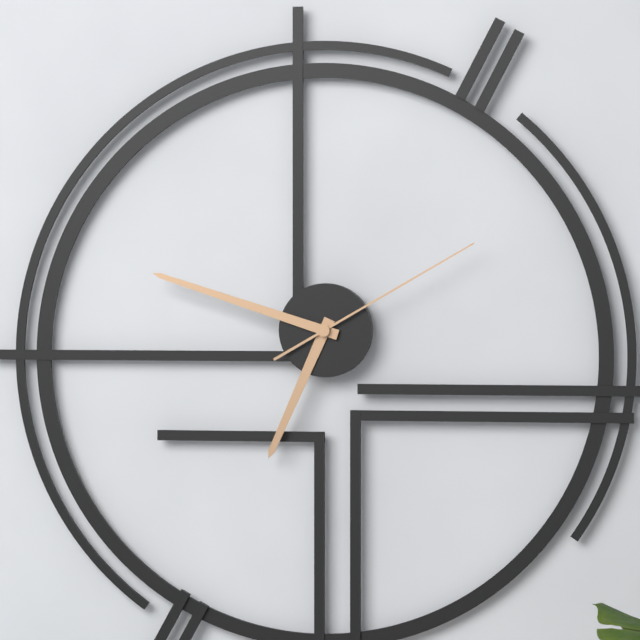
h=6 m=48 s=10
